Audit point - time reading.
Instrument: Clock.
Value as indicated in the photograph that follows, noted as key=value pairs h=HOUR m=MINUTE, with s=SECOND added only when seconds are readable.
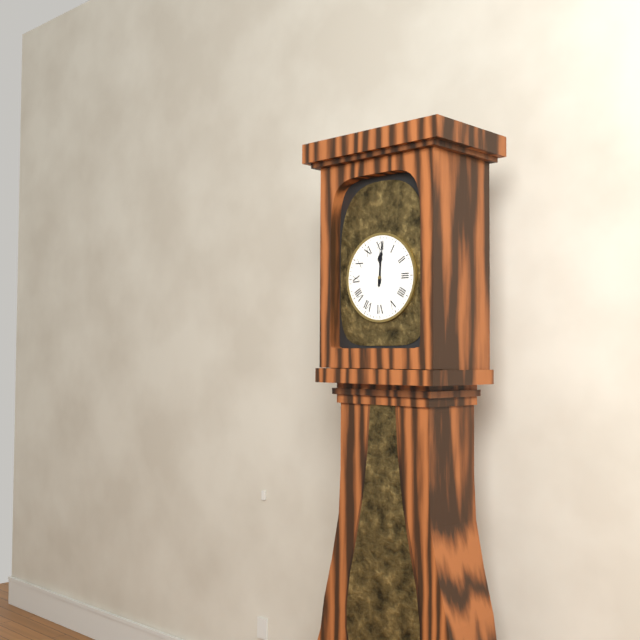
h=12 m=1
